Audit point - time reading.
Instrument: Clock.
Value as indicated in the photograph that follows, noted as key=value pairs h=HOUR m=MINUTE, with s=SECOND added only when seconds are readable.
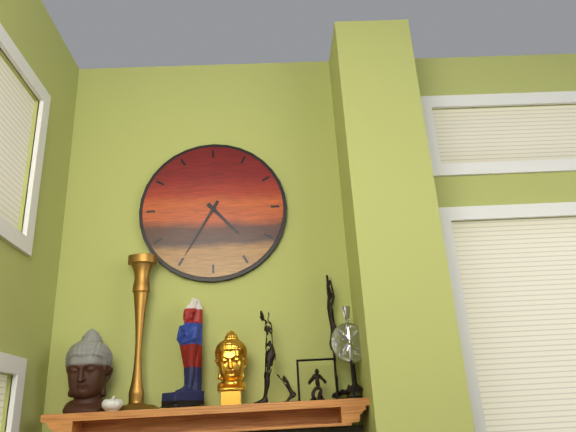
h=4 m=35
